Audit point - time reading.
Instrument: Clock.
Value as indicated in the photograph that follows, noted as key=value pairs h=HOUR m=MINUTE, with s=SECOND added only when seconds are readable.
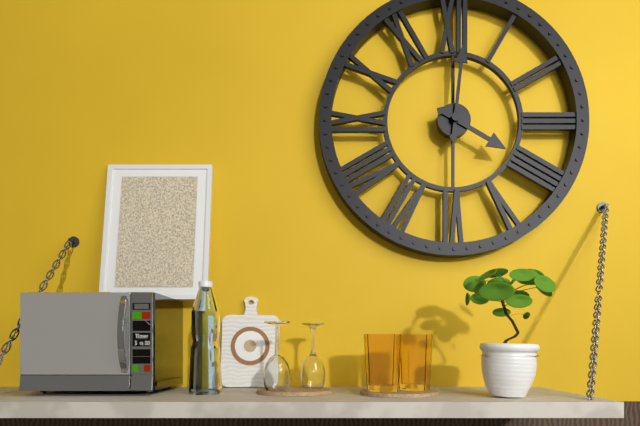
h=4 m=1
